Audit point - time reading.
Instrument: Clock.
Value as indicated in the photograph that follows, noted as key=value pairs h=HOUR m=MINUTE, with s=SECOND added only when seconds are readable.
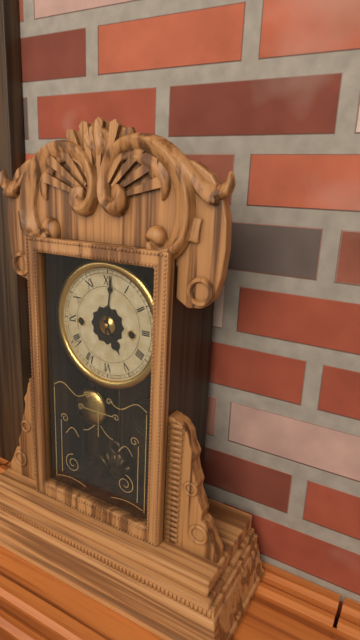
h=5 m=1
